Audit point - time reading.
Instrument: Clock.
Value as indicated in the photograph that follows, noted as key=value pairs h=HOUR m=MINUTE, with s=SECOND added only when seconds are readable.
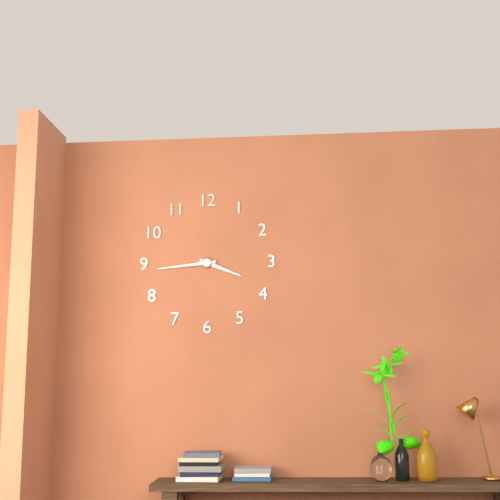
h=3 m=44
